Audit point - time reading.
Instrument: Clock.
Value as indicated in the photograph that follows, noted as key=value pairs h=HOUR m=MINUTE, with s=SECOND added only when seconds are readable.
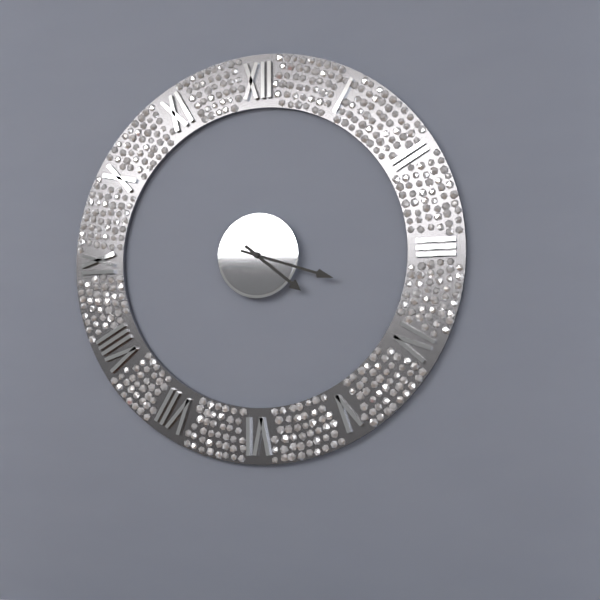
h=4 m=18
